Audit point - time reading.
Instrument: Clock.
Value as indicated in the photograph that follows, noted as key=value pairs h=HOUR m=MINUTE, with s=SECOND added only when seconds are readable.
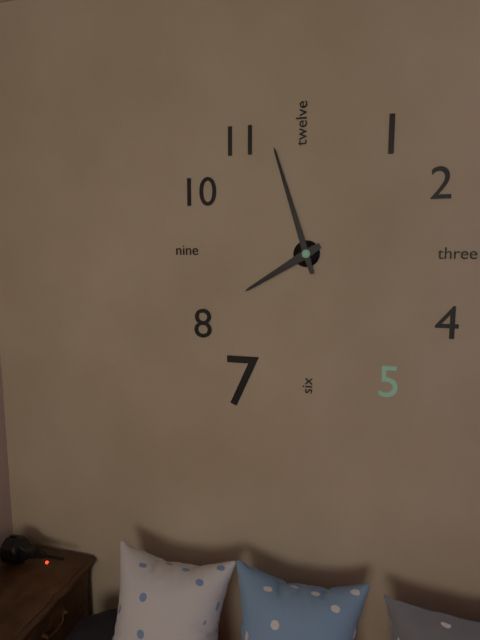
h=7 m=57
